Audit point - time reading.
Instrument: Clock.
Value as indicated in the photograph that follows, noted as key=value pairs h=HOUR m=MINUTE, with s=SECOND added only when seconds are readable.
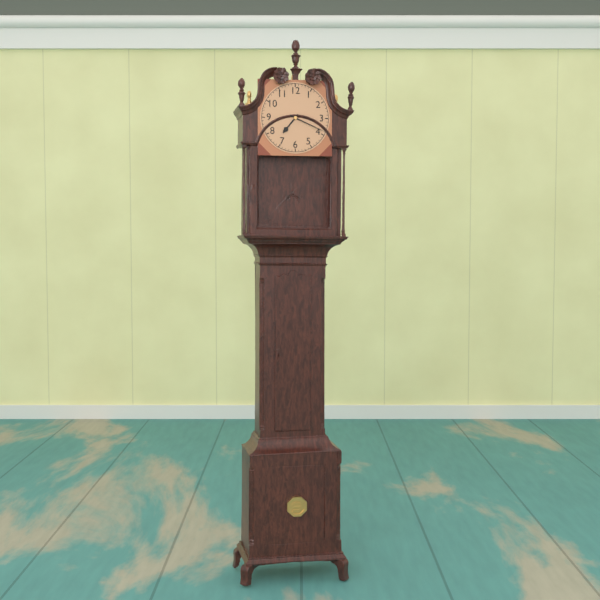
h=7 m=19
